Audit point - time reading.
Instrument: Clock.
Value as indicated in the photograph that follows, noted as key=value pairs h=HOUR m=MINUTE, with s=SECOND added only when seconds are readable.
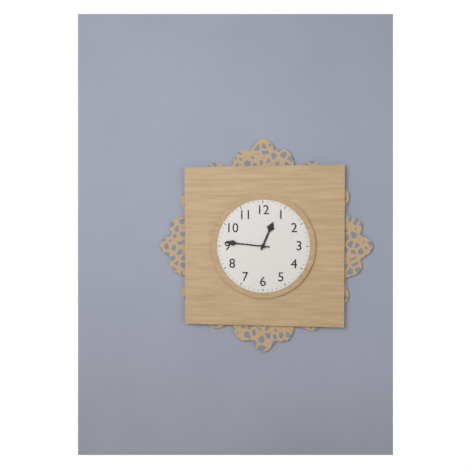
h=12 m=46
